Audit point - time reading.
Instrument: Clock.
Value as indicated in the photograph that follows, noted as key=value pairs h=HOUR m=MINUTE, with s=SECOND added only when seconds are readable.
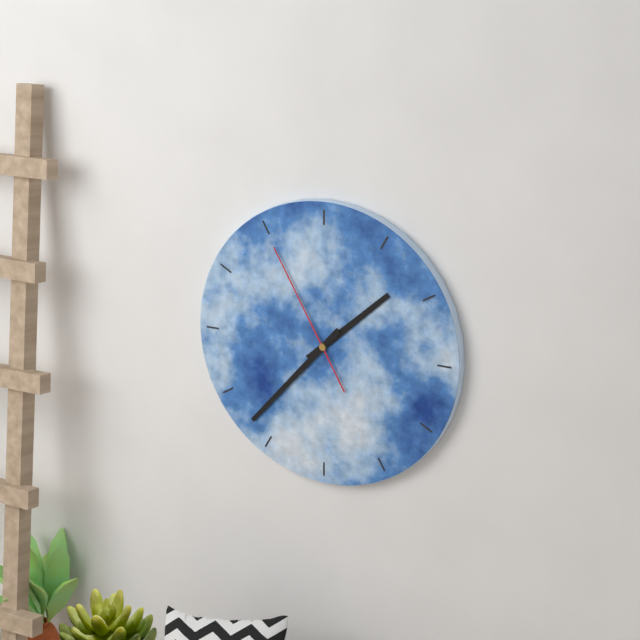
h=1 m=37 s=55
